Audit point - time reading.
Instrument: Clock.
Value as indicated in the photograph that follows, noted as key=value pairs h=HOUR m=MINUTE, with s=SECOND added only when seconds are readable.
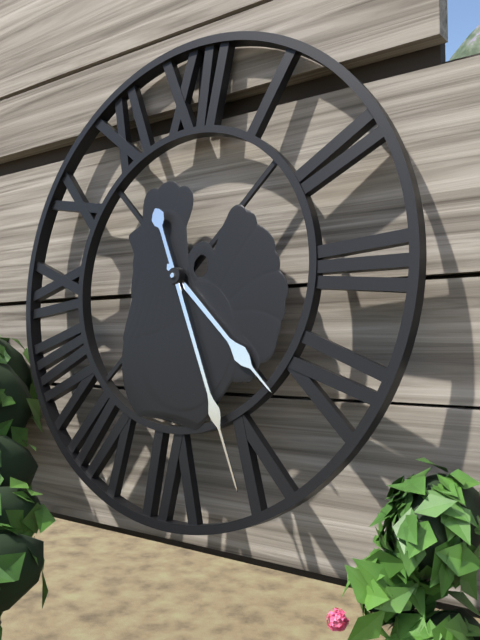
h=4 m=26
